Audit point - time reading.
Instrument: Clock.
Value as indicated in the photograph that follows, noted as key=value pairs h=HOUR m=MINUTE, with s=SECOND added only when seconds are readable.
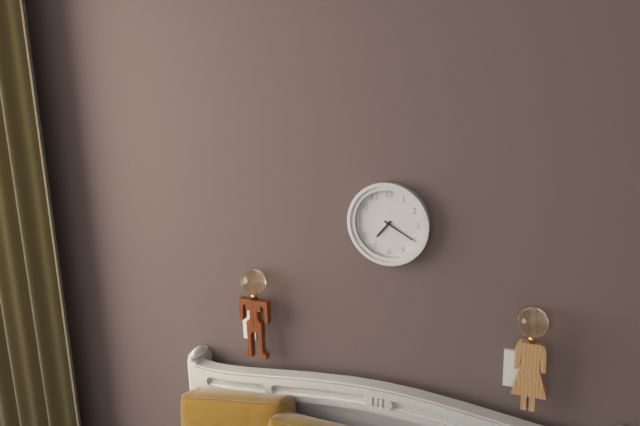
h=7 m=20
